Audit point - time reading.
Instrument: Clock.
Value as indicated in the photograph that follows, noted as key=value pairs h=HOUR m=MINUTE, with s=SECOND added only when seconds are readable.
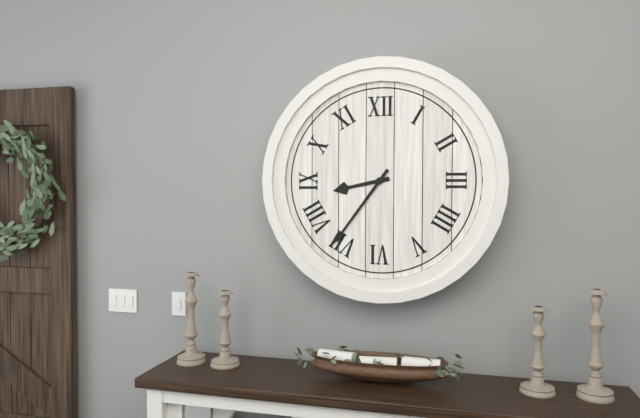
h=8 m=36
